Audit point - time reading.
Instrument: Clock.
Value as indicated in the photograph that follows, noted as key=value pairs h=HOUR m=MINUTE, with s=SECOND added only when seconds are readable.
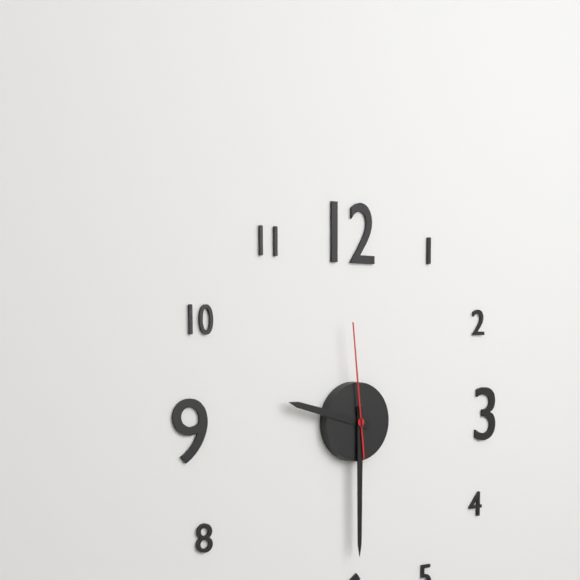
h=9 m=30 s=59
